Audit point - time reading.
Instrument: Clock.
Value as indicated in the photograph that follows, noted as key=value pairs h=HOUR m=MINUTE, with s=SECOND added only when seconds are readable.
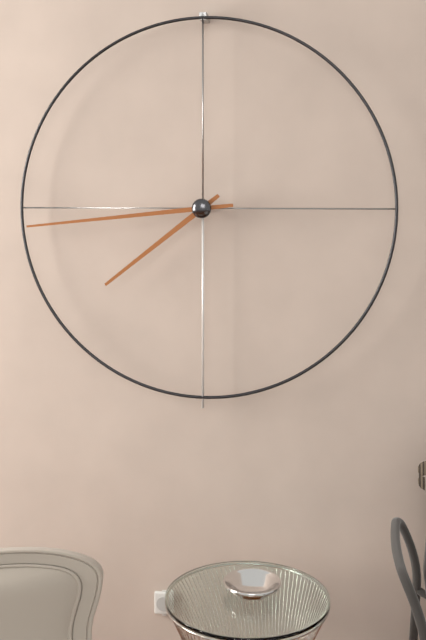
h=7 m=44
